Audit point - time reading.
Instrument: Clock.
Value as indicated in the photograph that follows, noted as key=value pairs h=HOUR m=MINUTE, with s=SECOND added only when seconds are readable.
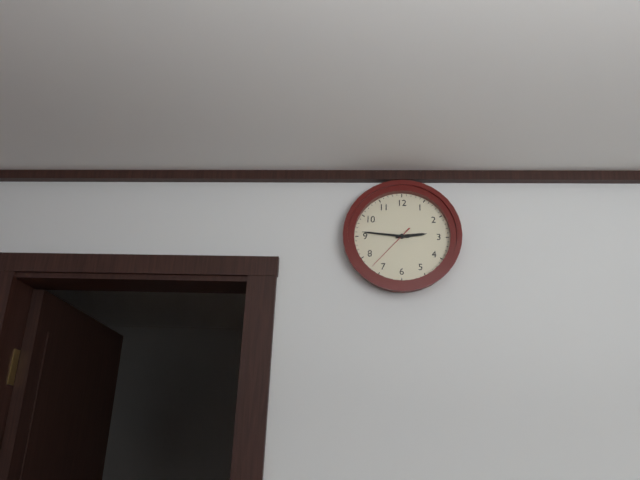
h=2 m=46 s=37
